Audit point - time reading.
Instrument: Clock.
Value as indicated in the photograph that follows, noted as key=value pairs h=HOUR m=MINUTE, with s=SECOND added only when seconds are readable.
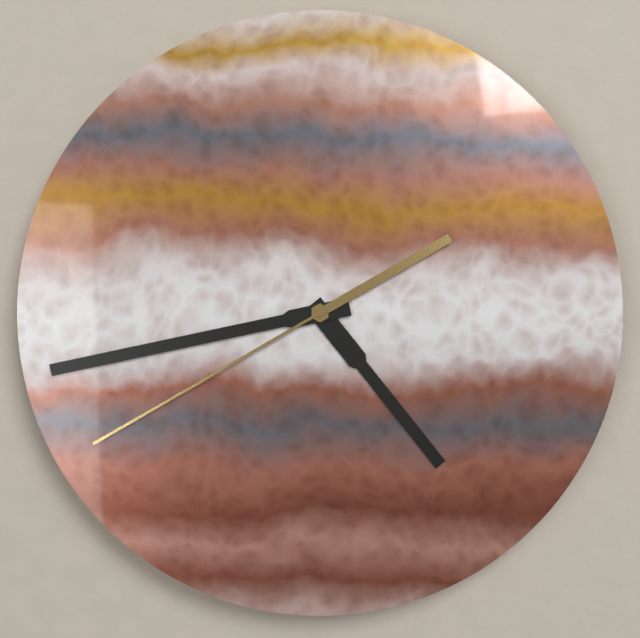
h=4 m=43 s=40
